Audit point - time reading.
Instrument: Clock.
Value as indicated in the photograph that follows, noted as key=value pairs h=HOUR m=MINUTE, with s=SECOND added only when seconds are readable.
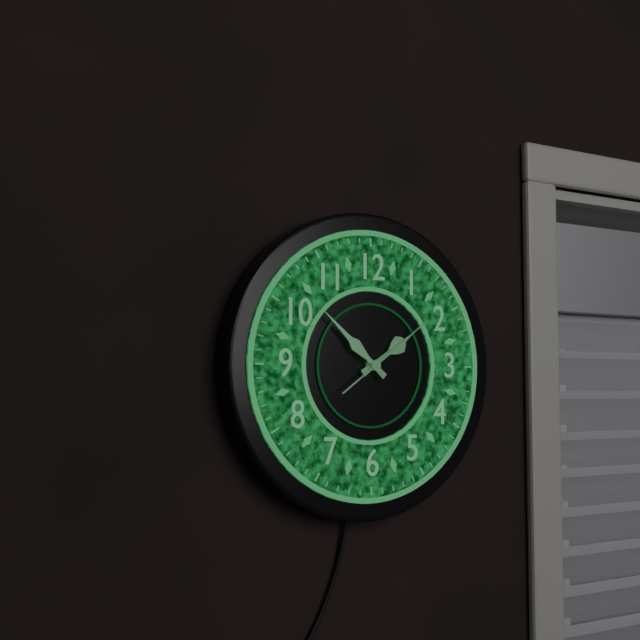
h=1 m=52 s=9
